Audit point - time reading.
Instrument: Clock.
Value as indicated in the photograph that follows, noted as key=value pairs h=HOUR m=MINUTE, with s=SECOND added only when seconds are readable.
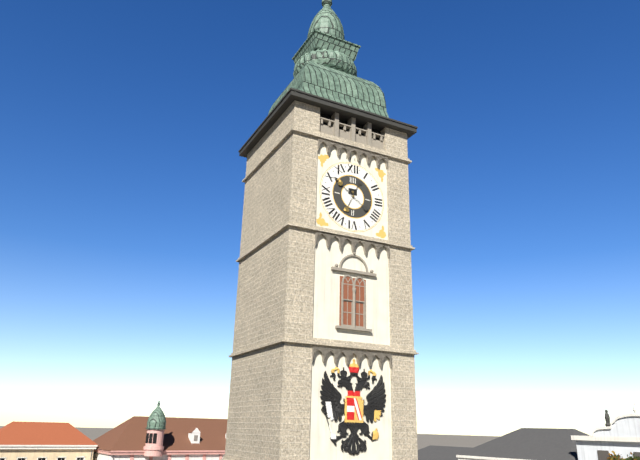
h=6 m=51
